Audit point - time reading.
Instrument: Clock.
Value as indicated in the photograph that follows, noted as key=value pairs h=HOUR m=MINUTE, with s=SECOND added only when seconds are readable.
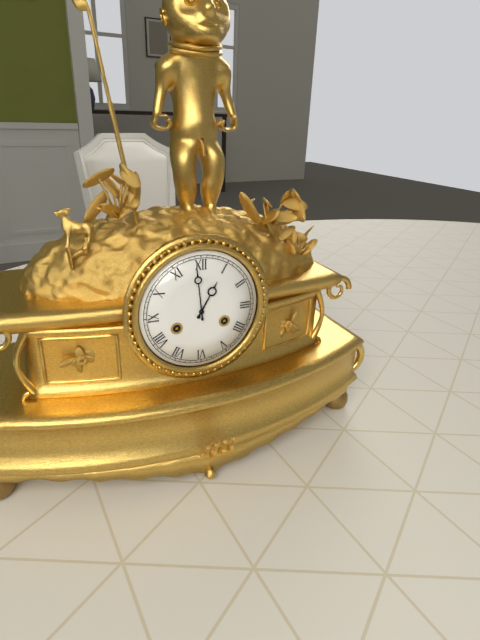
h=12 m=59
